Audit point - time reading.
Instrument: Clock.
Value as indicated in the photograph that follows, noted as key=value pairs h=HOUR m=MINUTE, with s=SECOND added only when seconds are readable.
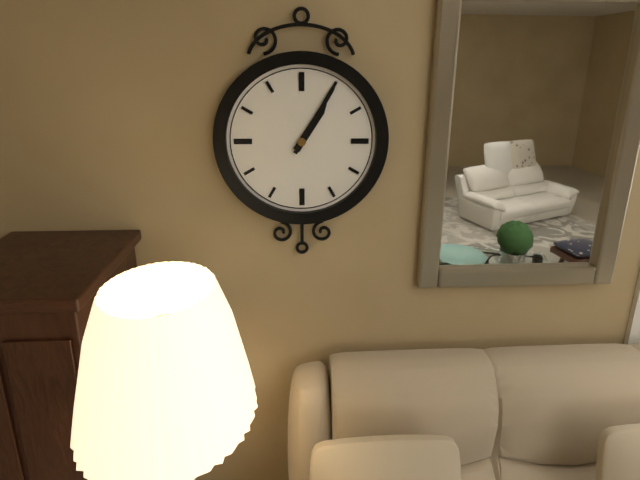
h=1 m=5
